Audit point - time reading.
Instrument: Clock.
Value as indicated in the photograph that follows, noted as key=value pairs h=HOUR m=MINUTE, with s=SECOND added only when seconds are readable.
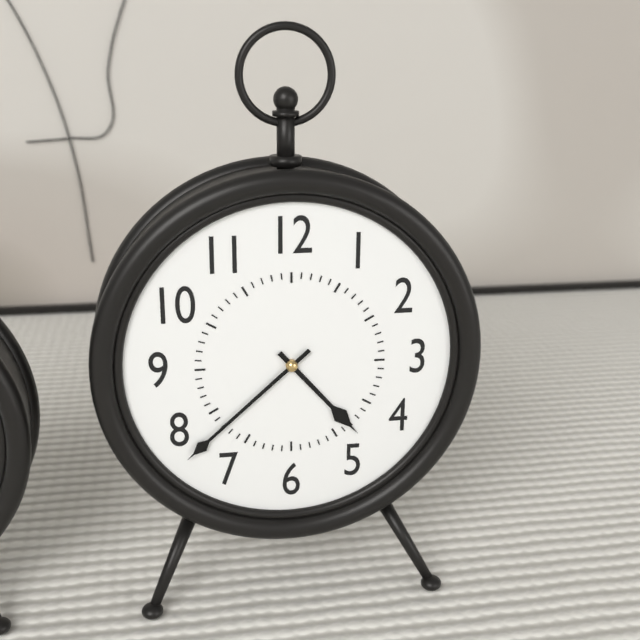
h=4 m=38
